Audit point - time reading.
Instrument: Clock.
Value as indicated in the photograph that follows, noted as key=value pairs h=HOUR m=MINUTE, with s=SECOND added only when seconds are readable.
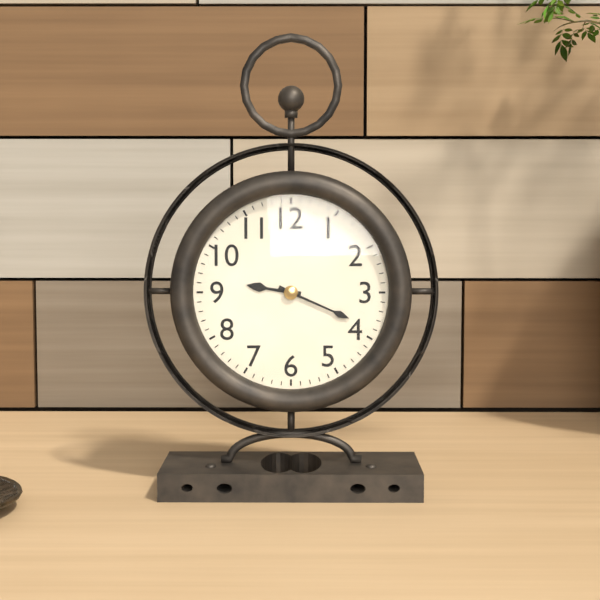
h=9 m=19
